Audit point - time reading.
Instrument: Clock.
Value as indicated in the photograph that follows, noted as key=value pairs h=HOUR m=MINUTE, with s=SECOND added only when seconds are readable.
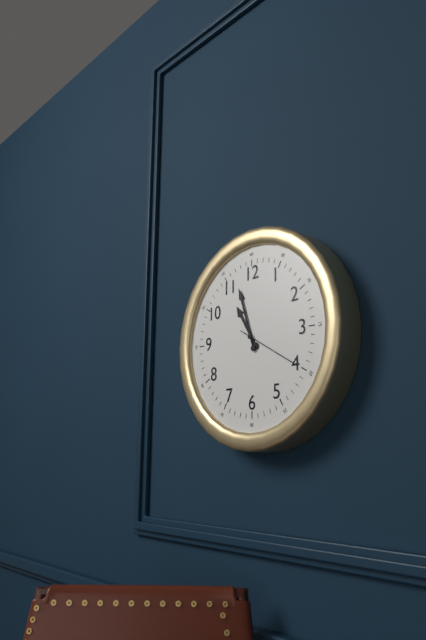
h=10 m=57 s=20
